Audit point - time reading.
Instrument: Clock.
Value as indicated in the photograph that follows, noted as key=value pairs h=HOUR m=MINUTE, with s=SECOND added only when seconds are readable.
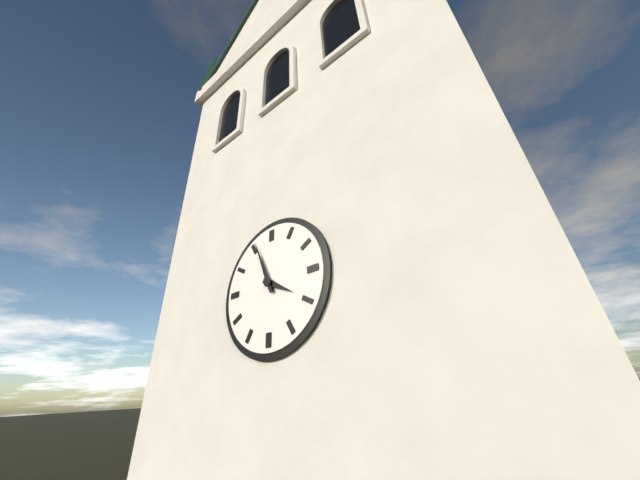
h=3 m=56
